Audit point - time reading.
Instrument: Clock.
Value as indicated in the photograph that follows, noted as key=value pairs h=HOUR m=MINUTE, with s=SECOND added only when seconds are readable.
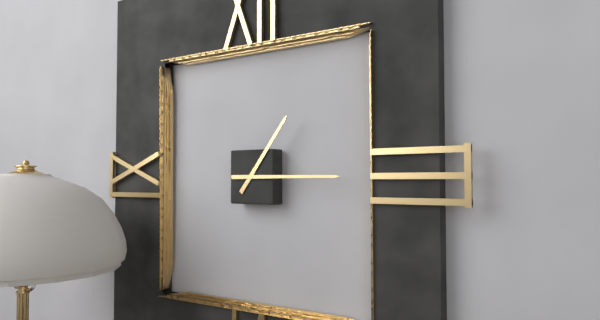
h=1 m=15
